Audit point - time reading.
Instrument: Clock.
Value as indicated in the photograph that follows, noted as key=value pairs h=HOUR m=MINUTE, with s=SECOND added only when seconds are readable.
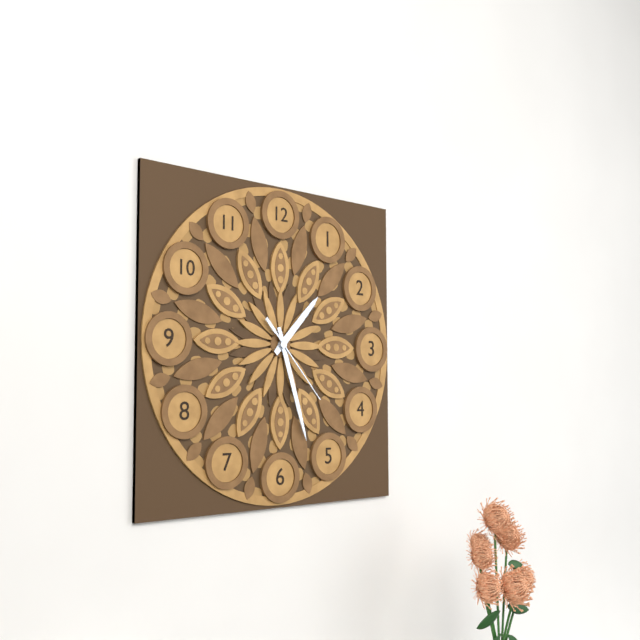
h=1 m=27 s=23
